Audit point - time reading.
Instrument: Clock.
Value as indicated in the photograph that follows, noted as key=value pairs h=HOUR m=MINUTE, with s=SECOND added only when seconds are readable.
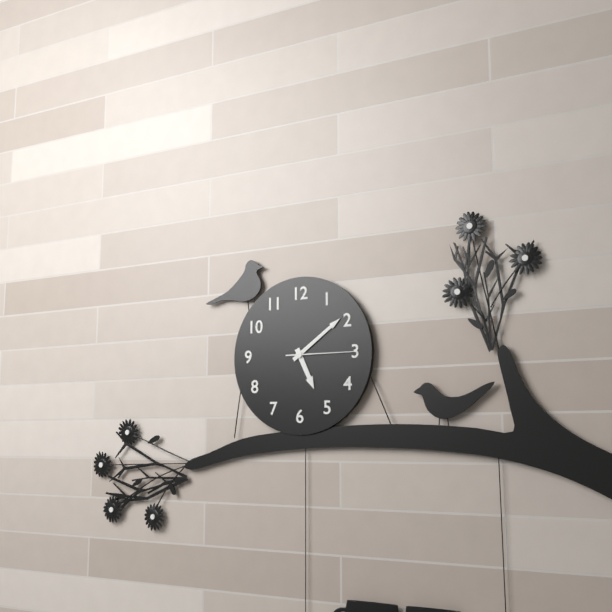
h=5 m=9 s=15
